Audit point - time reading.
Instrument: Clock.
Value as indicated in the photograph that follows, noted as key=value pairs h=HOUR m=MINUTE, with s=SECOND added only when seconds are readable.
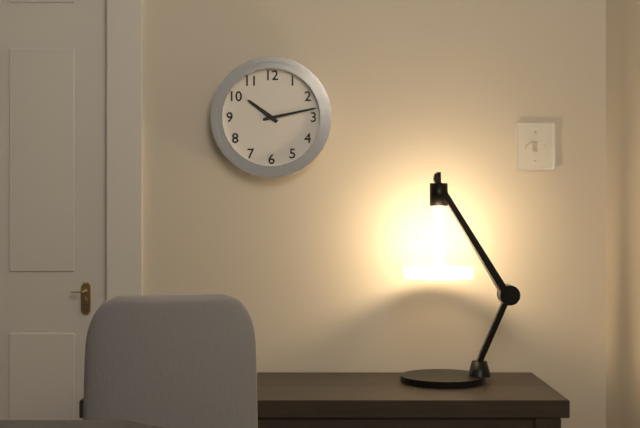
h=10 m=13
